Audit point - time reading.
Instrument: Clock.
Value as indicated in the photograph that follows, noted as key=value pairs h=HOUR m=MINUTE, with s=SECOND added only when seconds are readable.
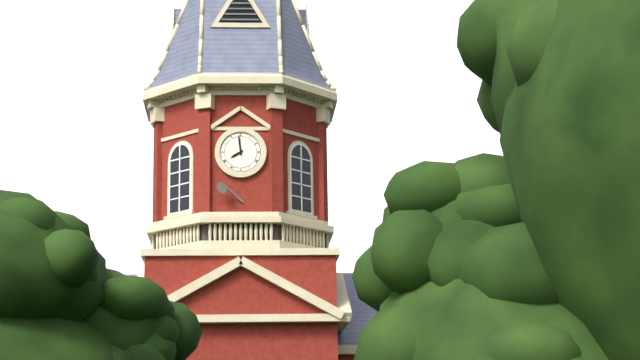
h=7 m=59
